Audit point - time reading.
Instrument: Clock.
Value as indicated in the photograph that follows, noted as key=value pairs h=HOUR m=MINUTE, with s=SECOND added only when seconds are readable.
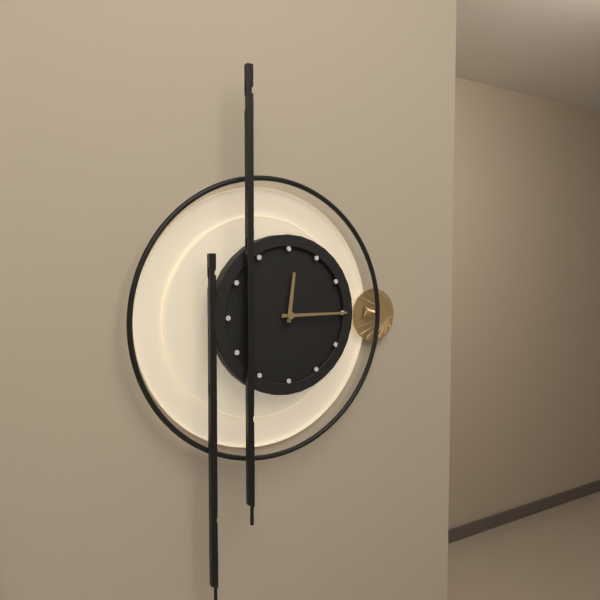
h=12 m=15
